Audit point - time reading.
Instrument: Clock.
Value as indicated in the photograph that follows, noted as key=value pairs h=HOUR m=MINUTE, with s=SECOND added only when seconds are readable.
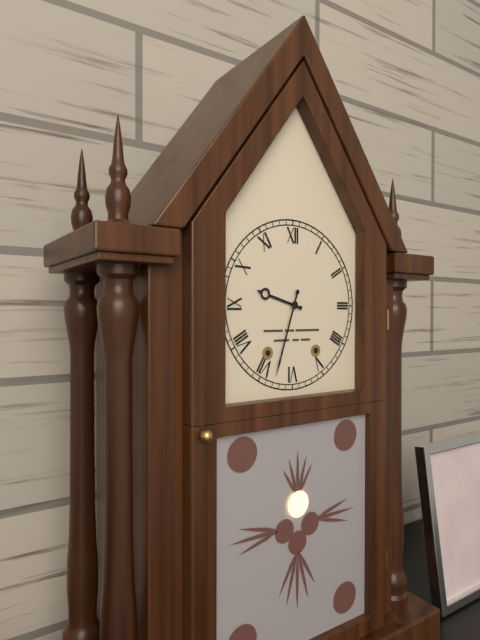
h=9 m=33
